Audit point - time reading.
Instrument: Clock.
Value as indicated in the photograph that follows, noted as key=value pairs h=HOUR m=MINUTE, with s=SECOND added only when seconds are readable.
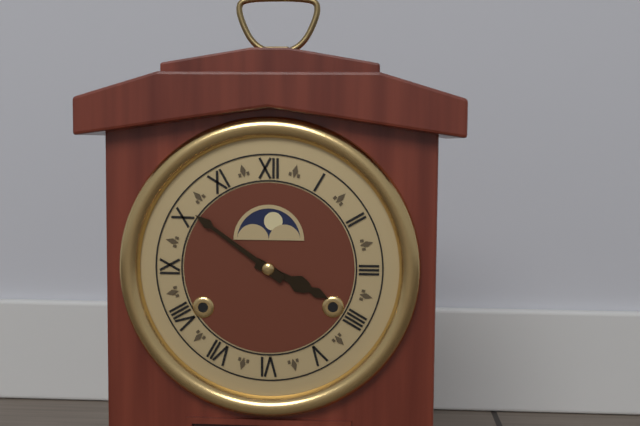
h=3 m=51
